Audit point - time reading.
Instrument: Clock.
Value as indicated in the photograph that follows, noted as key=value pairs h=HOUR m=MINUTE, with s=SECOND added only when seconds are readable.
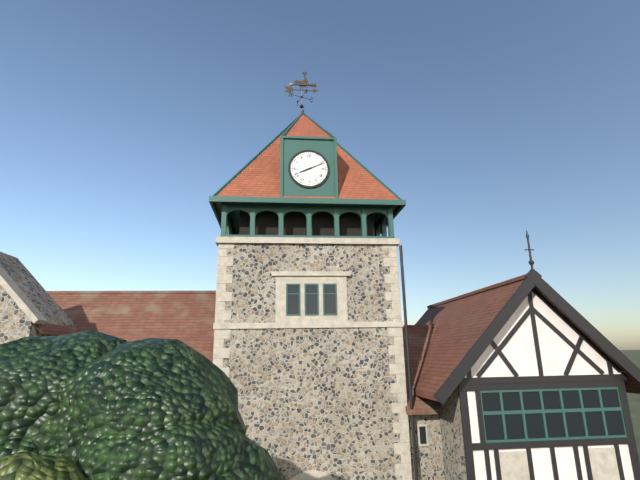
h=8 m=11
